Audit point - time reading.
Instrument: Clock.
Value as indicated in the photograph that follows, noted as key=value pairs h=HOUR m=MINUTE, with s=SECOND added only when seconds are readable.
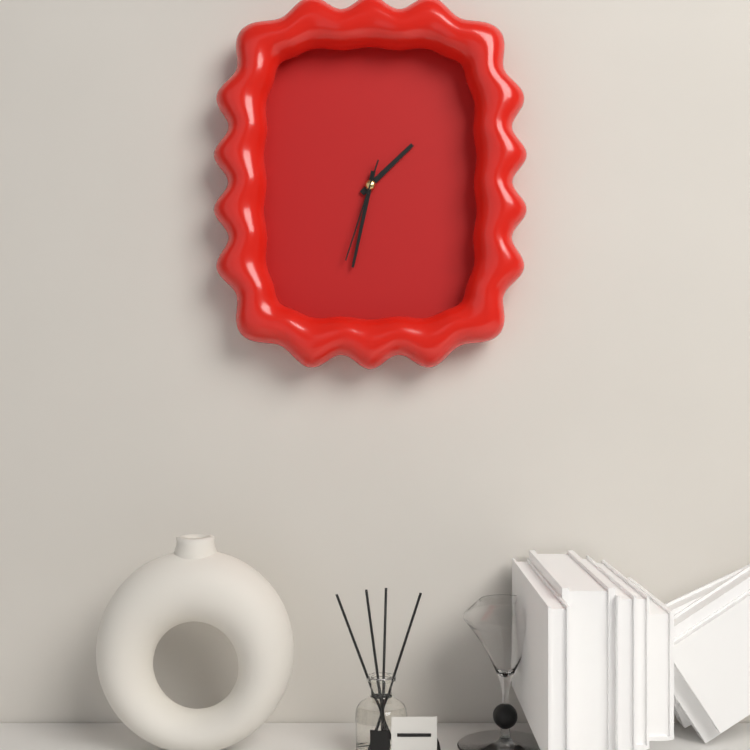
h=1 m=32 s=33
